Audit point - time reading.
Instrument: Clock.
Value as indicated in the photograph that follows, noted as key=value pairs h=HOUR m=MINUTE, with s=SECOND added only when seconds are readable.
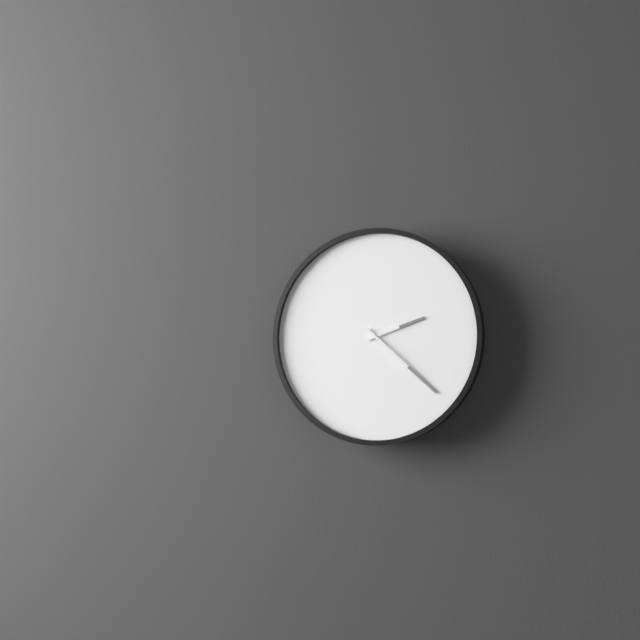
h=2 m=22
